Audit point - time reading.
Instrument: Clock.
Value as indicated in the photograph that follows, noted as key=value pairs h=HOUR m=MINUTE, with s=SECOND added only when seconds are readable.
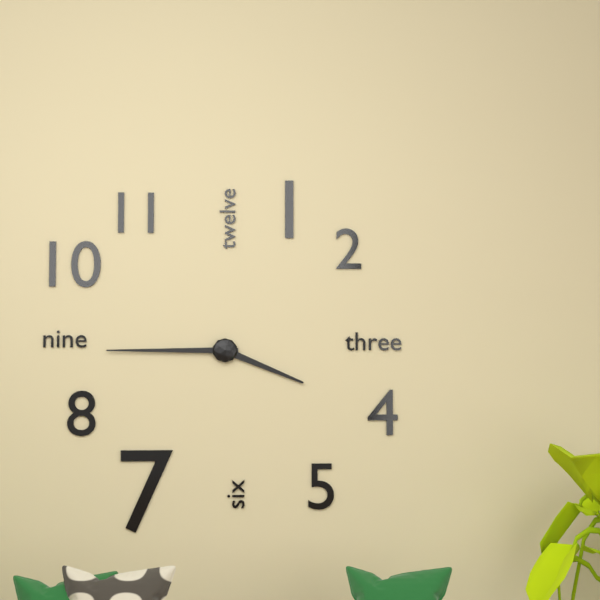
h=3 m=45
